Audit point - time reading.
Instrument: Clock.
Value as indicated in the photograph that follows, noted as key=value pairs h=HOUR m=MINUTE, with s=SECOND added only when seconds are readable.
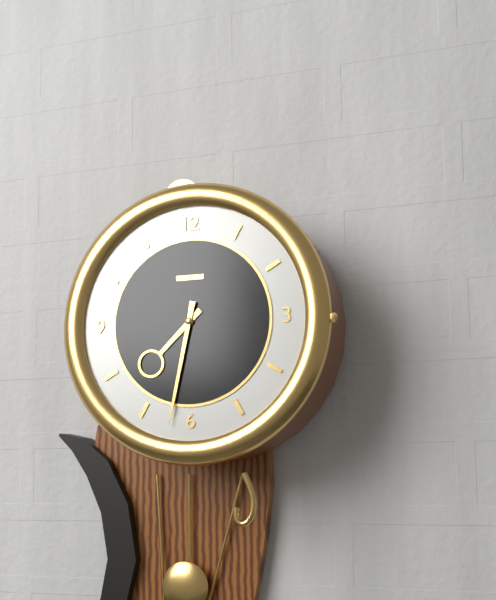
h=7 m=32
